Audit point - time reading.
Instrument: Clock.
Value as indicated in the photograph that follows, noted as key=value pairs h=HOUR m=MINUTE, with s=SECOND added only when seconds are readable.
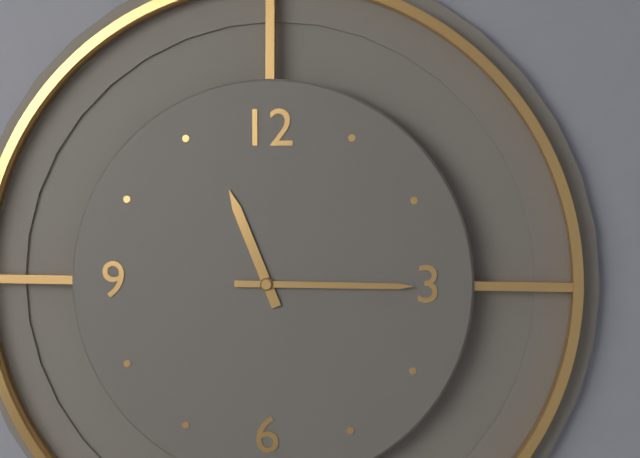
h=11 m=15
